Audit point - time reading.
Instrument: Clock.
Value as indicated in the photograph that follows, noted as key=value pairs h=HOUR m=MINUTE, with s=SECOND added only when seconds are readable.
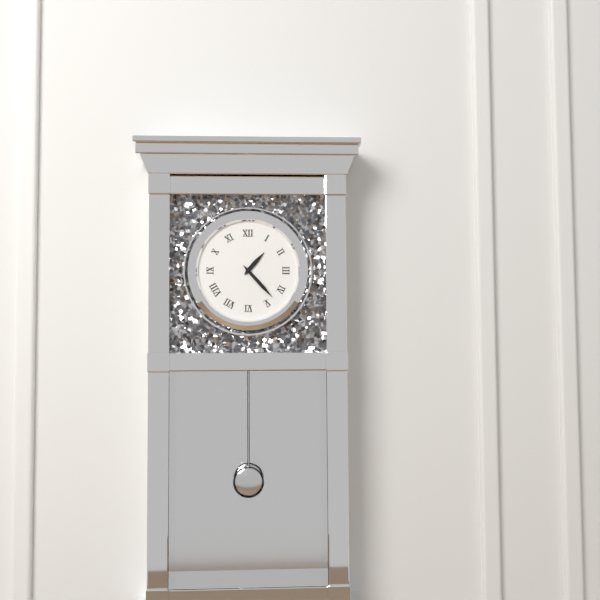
h=1 m=23
